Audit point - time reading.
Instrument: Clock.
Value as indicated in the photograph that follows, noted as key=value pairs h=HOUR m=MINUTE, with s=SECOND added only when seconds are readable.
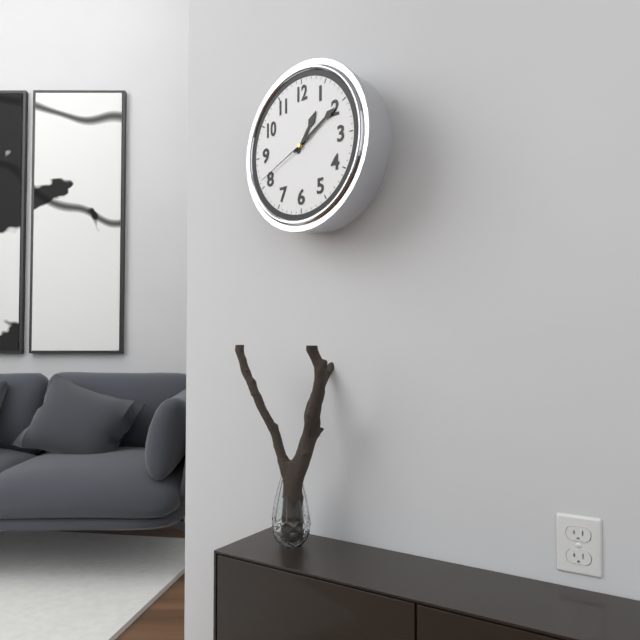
h=1 m=10 s=41
